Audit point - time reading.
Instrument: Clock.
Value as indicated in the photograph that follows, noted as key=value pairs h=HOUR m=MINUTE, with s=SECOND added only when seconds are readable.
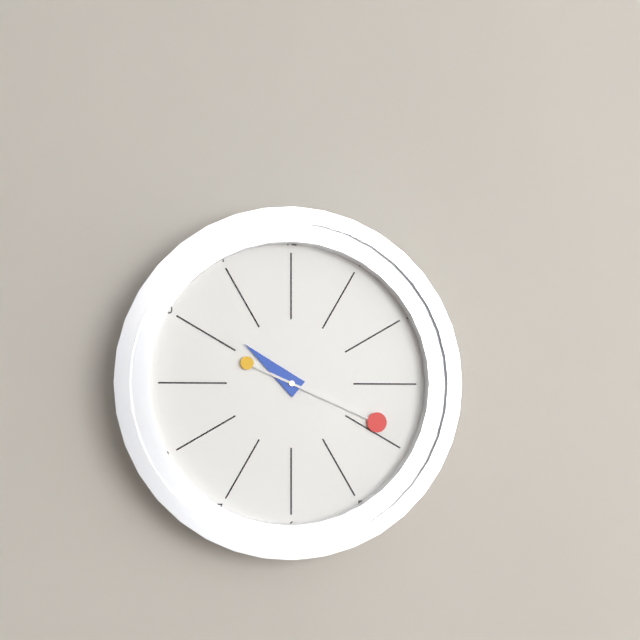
h=10 m=19
